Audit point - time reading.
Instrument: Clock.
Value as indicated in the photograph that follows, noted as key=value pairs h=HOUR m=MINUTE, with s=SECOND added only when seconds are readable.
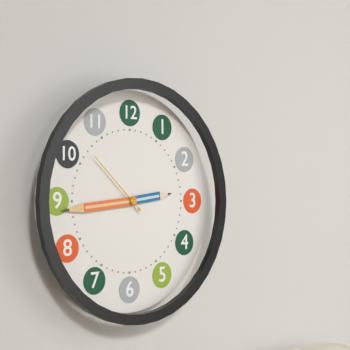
h=2 m=44 s=52
